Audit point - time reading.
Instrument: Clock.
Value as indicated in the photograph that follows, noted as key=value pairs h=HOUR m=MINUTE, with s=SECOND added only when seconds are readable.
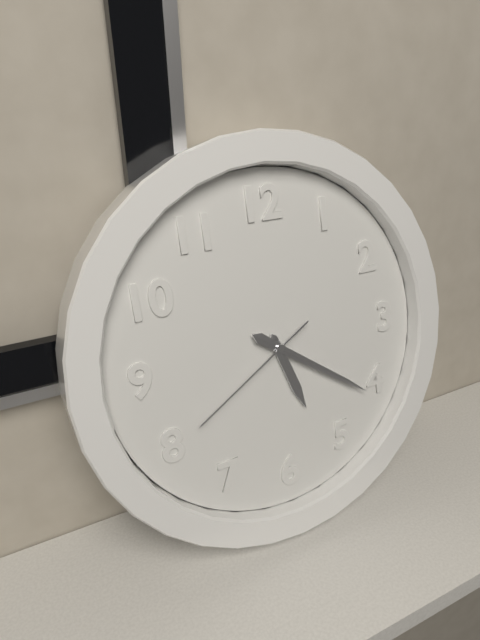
h=5 m=21 s=40
